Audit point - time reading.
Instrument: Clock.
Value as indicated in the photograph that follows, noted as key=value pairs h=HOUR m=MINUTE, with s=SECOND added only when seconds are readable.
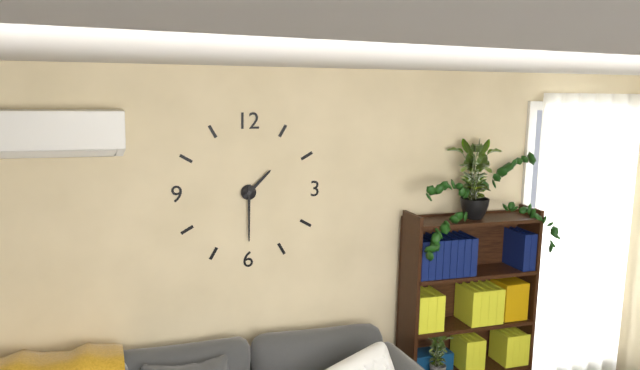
h=1 m=30
